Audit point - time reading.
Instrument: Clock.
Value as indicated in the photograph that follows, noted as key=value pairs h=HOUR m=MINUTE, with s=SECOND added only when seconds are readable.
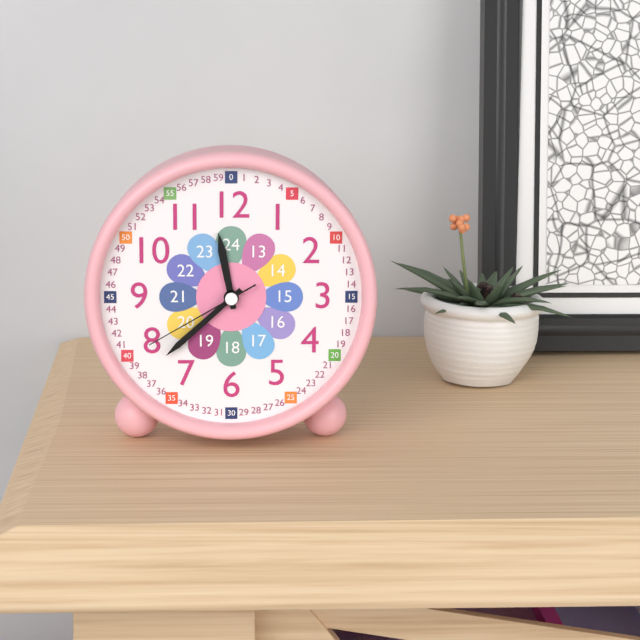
h=11 m=38 s=40
